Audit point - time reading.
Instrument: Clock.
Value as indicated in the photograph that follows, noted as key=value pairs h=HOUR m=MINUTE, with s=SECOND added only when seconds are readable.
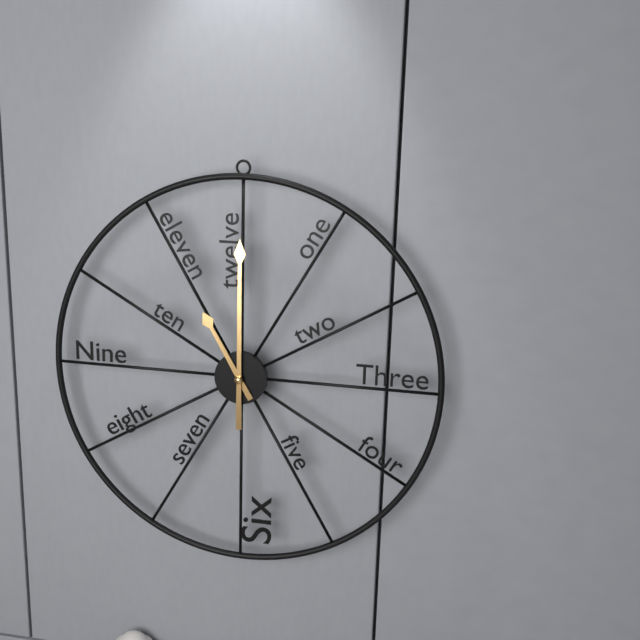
h=11 m=0
